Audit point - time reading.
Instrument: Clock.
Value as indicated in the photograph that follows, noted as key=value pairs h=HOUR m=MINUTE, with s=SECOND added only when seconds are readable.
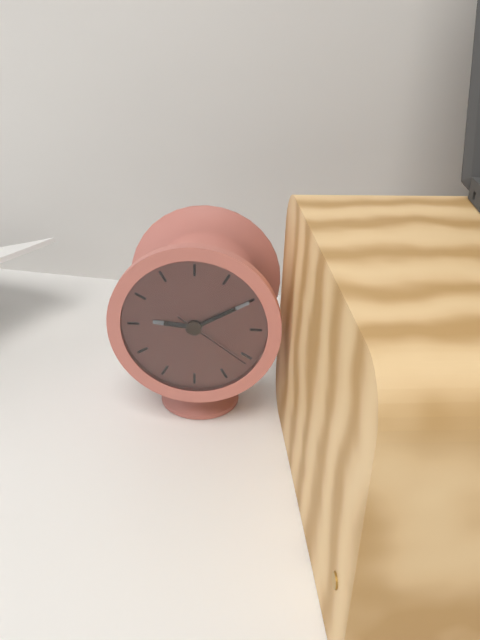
h=9 m=10 s=21
